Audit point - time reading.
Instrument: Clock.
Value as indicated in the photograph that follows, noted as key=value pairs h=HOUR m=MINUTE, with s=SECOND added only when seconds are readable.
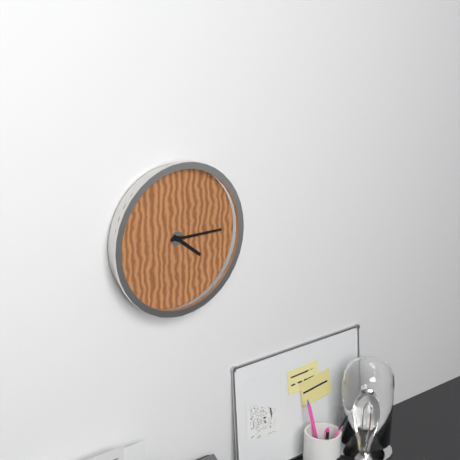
h=4 m=15
